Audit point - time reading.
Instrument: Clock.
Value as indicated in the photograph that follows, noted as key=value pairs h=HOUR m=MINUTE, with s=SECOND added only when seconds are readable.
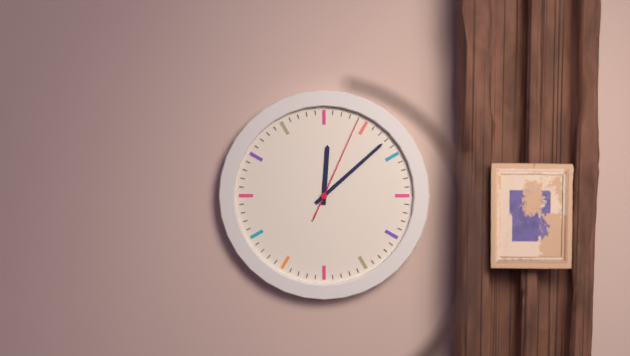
h=12 m=8 s=4
